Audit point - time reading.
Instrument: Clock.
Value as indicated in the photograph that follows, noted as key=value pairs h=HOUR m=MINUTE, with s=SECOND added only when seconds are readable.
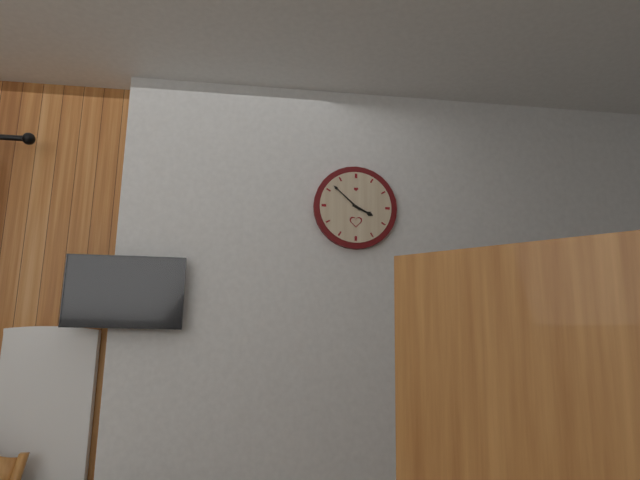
h=3 m=52
